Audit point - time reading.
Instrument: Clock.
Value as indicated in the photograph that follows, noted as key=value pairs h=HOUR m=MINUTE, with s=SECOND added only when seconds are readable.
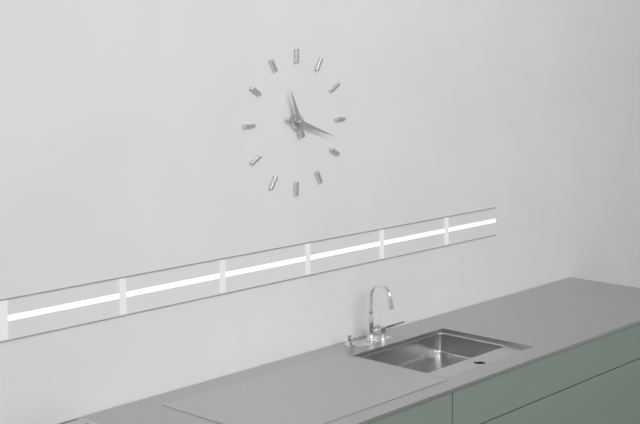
h=11 m=18
